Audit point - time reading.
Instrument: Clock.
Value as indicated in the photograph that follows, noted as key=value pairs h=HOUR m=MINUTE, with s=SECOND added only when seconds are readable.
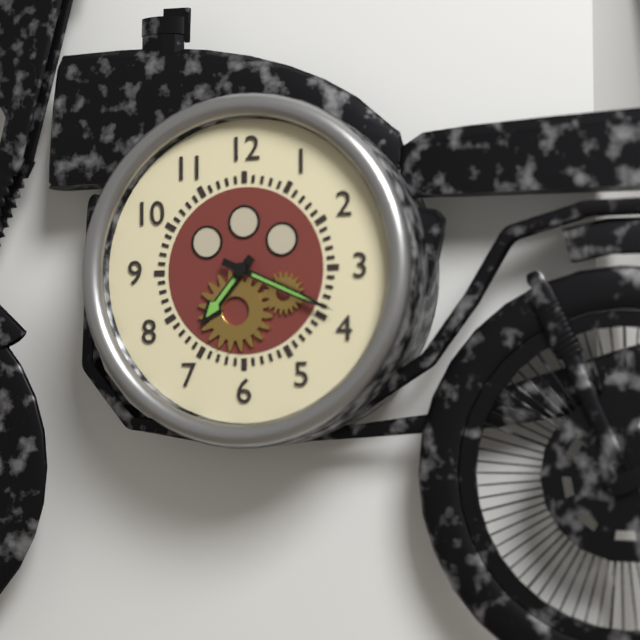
h=7 m=19
